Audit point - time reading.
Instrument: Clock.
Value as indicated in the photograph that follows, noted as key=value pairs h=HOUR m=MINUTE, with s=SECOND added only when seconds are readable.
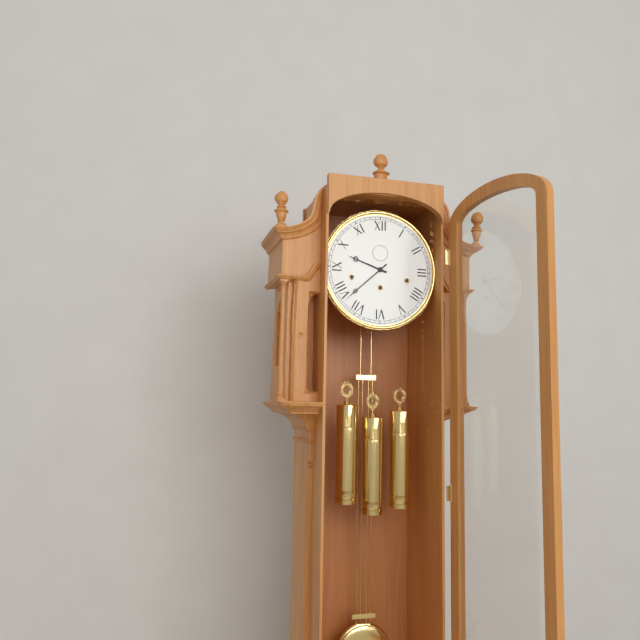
h=9 m=38
